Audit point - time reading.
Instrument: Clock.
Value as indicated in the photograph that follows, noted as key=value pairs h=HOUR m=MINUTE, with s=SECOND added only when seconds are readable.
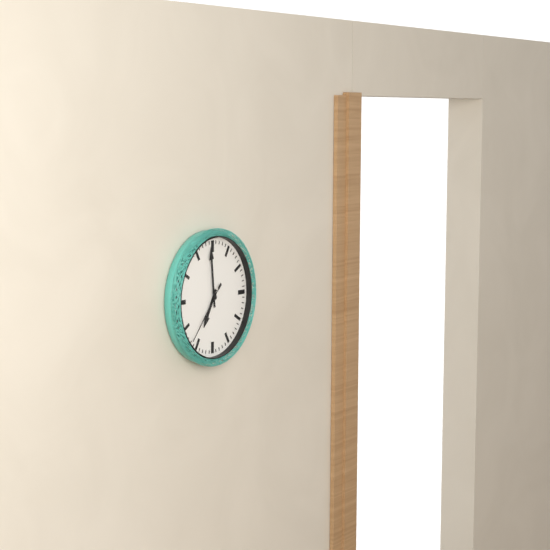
h=6 m=59 s=37
